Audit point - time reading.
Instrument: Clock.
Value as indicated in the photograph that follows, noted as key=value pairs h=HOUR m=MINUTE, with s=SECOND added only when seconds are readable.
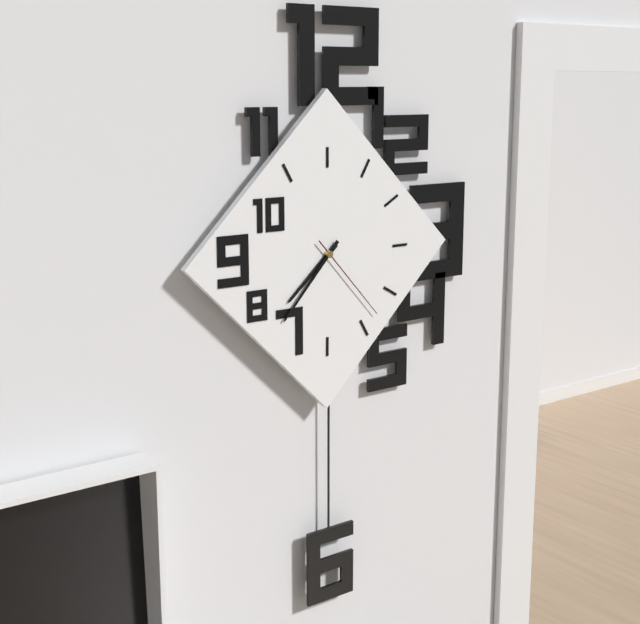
h=7 m=37 s=23
